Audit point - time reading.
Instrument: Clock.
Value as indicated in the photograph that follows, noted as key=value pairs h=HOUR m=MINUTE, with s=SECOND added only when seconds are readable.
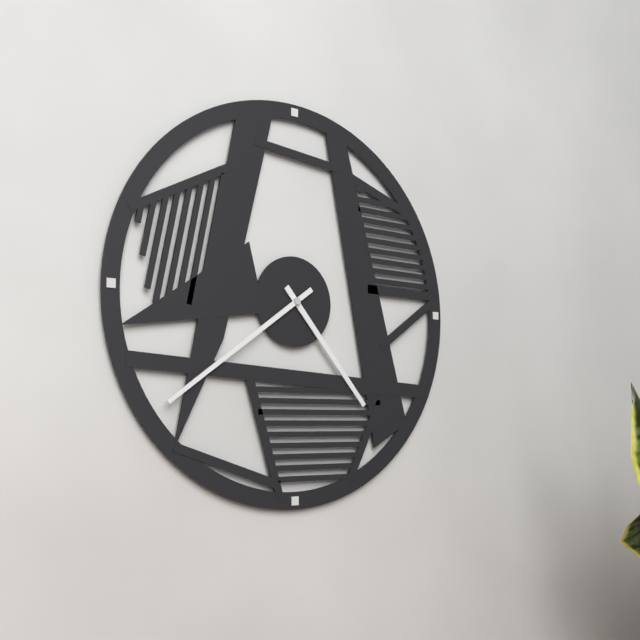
h=4 m=39
